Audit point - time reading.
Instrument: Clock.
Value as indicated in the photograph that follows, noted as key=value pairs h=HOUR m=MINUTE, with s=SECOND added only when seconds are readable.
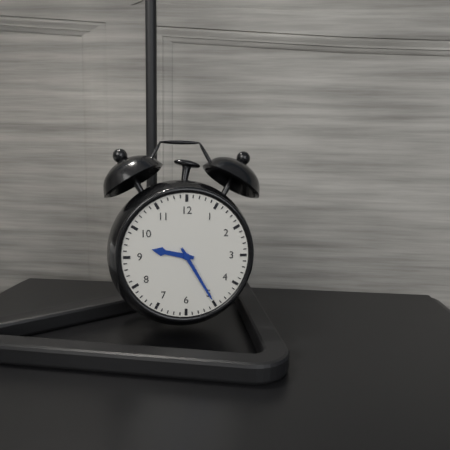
h=9 m=25
